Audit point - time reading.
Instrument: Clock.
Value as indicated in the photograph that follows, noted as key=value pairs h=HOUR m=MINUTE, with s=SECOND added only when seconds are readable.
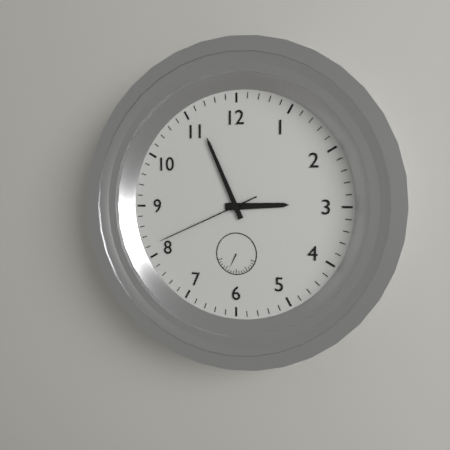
h=2 m=56 s=41
